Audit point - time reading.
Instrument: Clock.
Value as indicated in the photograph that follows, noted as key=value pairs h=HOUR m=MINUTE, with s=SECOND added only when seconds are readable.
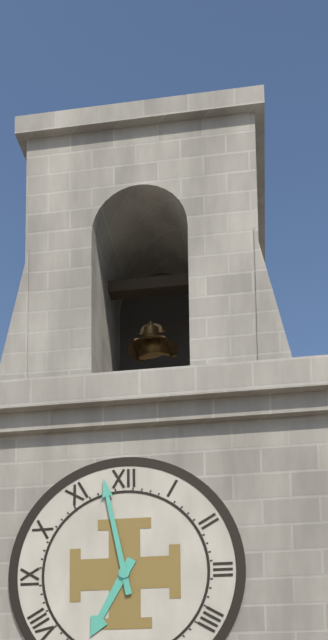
h=6 m=58
